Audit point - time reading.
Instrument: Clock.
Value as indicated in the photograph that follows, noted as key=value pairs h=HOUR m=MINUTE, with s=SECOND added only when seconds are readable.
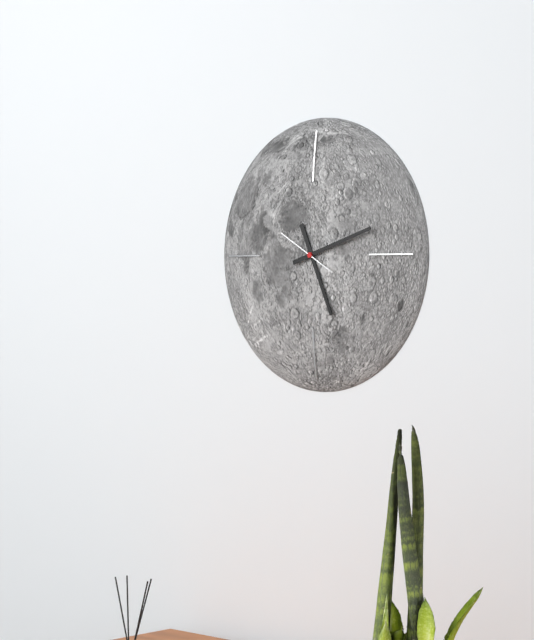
h=5 m=12
